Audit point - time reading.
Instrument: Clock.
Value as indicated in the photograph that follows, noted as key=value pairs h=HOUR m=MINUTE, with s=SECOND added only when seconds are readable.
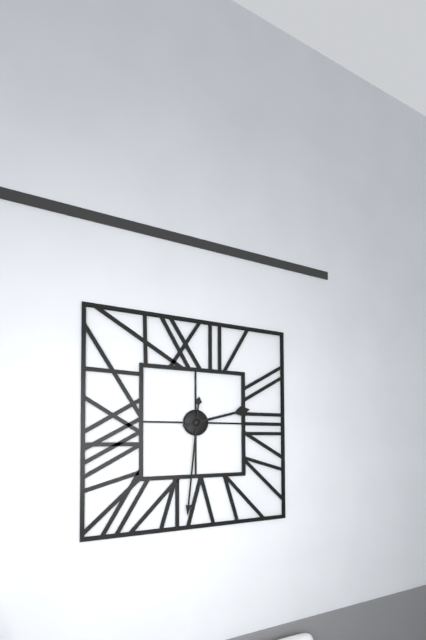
h=2 m=31
